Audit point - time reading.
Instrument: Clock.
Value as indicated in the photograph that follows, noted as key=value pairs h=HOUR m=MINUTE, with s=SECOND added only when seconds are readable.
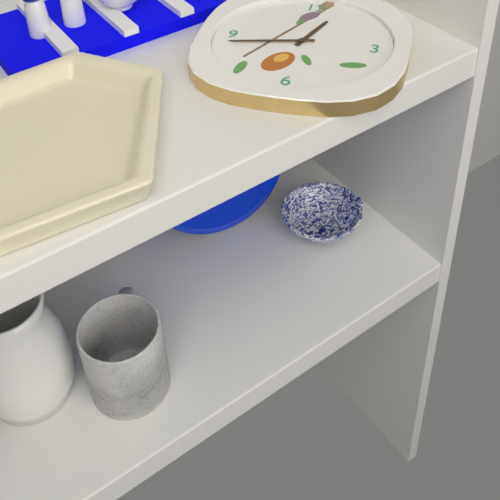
h=12 m=43
